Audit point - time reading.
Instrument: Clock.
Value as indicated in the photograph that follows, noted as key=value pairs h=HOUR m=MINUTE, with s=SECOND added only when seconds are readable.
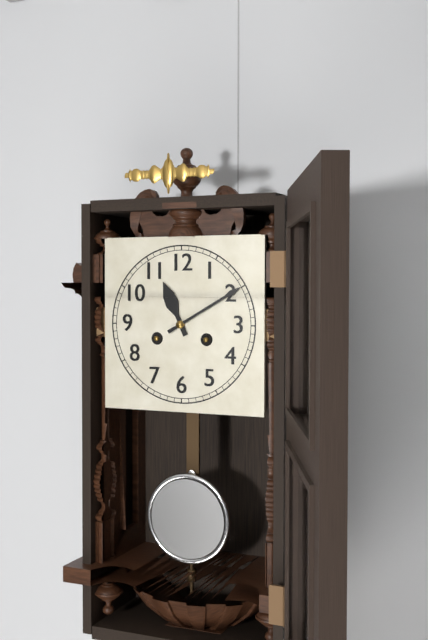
h=11 m=10
